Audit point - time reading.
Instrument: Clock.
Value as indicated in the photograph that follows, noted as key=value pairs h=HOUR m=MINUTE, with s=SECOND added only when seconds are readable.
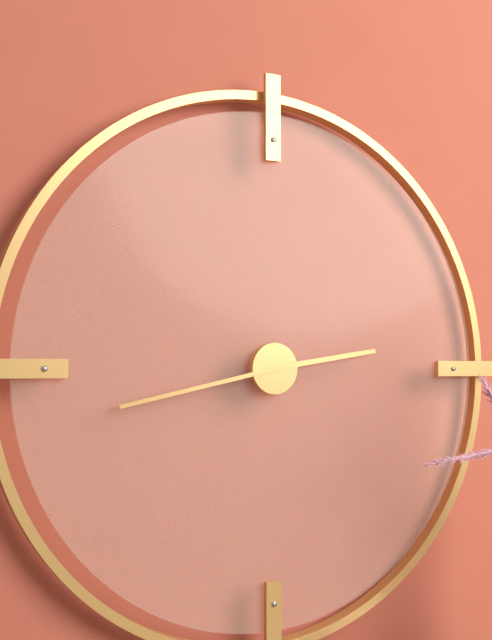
h=2 m=43
